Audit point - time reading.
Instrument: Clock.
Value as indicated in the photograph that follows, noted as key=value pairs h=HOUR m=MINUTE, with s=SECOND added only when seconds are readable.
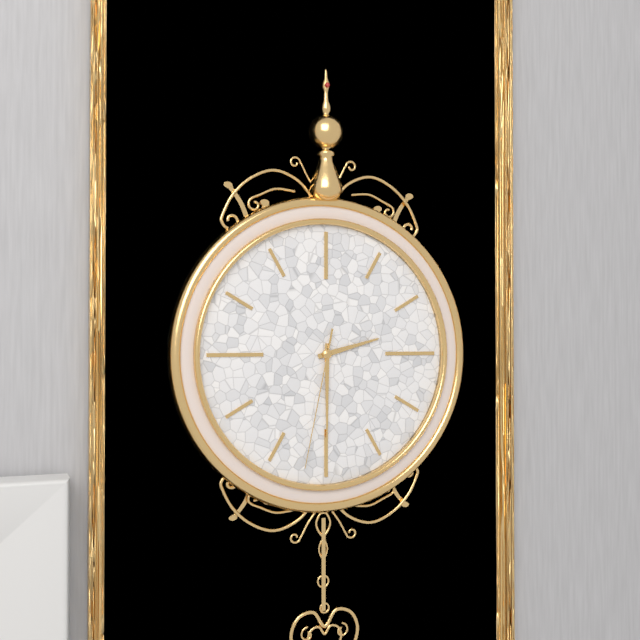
h=2 m=30 s=32
